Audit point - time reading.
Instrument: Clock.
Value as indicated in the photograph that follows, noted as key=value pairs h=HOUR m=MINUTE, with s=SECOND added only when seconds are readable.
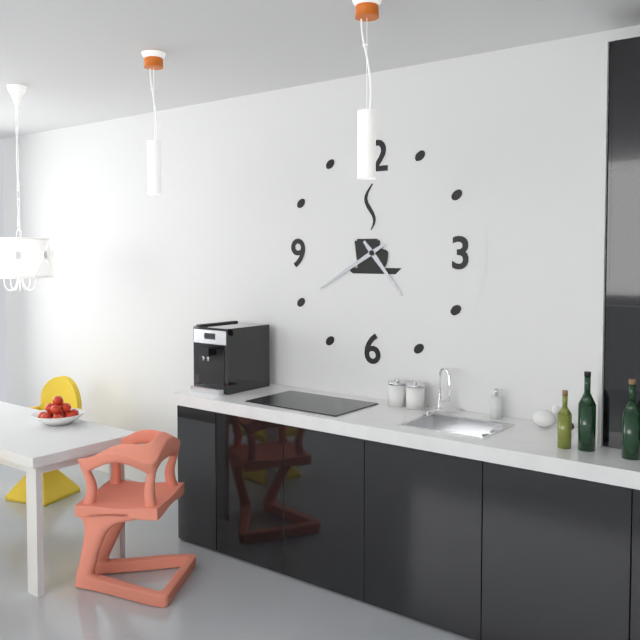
h=4 m=40
